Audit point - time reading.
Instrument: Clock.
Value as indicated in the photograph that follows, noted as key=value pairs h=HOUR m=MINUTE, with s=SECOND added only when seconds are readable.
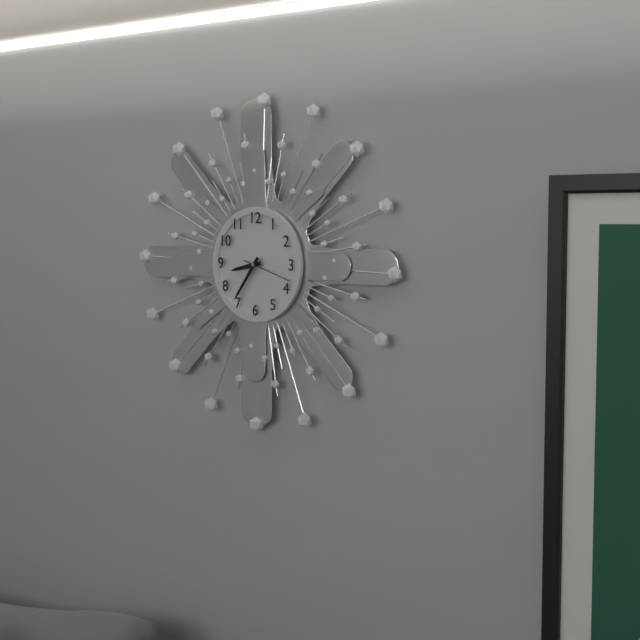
h=8 m=36 s=18
